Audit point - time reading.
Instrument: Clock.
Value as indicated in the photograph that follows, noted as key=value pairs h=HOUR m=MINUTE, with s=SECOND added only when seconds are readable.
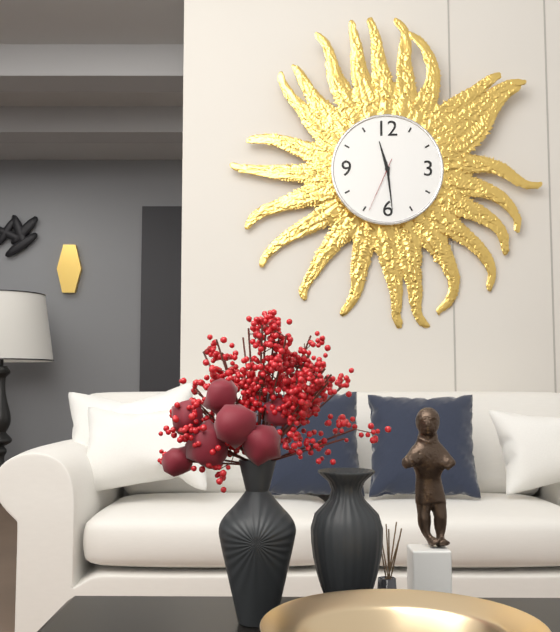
h=11 m=29 s=34
